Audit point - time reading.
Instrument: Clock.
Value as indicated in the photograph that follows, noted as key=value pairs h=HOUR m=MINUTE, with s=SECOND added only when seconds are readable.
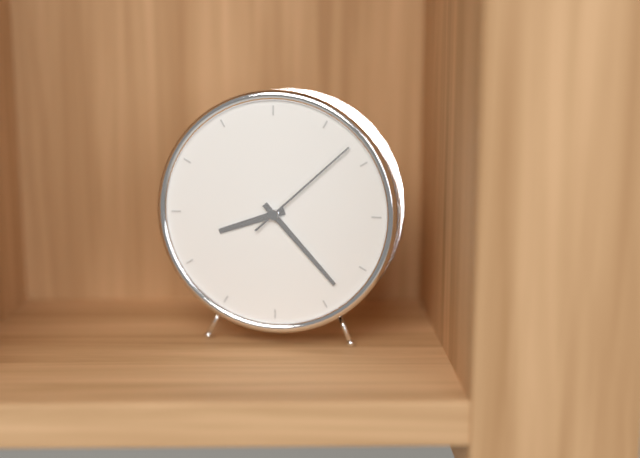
h=8 m=23 s=8
